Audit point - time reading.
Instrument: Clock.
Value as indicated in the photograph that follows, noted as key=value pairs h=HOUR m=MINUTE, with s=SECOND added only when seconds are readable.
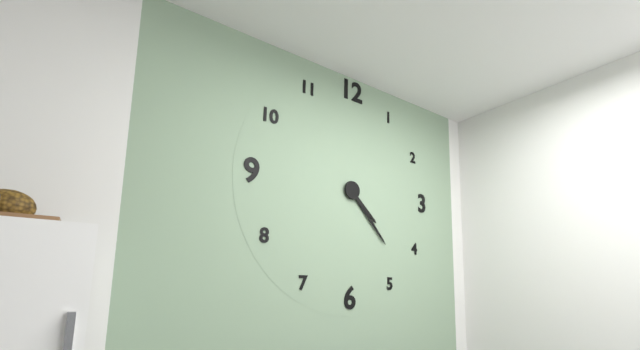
h=4 m=23
